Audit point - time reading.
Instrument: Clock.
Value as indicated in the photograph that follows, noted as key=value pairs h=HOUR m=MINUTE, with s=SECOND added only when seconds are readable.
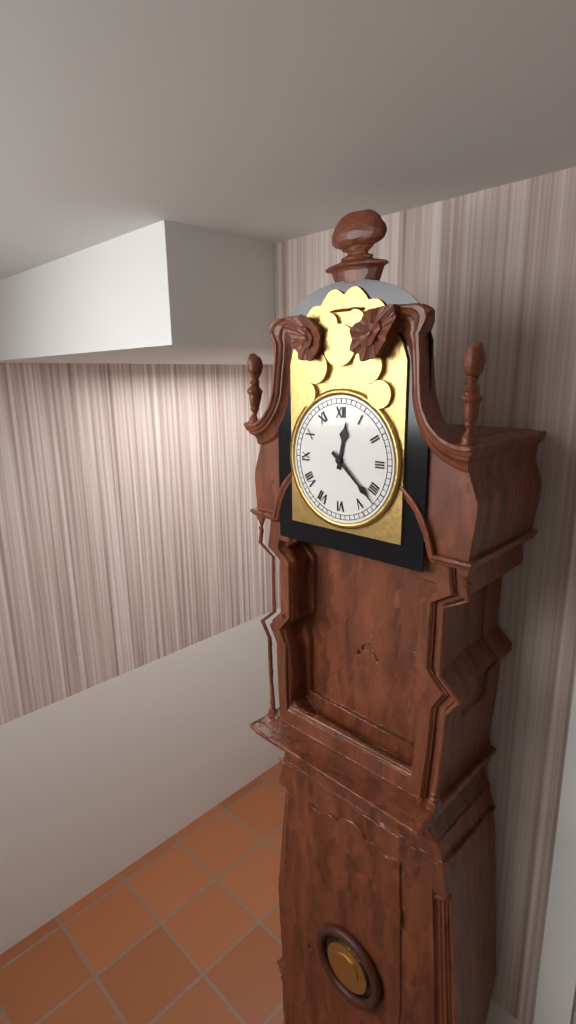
h=12 m=22
